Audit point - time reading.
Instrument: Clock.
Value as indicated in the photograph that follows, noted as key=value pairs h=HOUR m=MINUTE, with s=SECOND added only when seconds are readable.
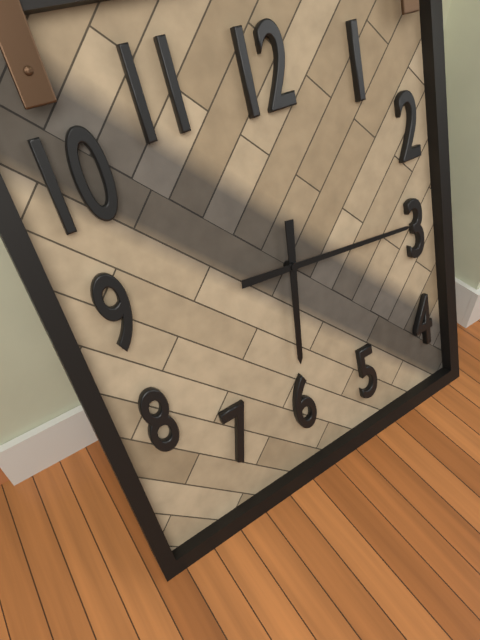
h=6 m=16
